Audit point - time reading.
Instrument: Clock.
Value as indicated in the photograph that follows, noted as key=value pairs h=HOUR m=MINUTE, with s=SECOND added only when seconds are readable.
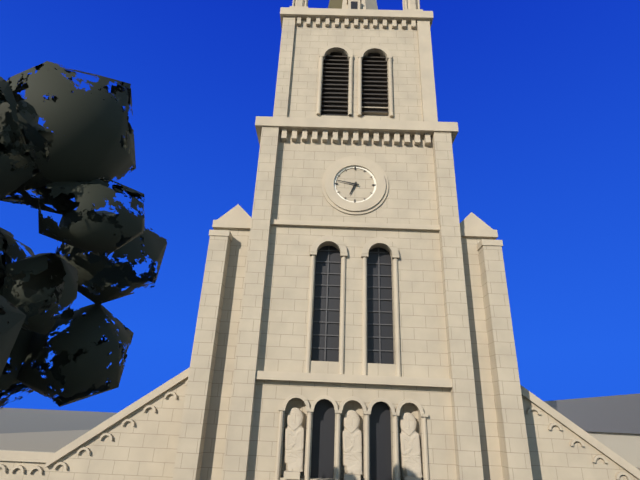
h=6 m=47
